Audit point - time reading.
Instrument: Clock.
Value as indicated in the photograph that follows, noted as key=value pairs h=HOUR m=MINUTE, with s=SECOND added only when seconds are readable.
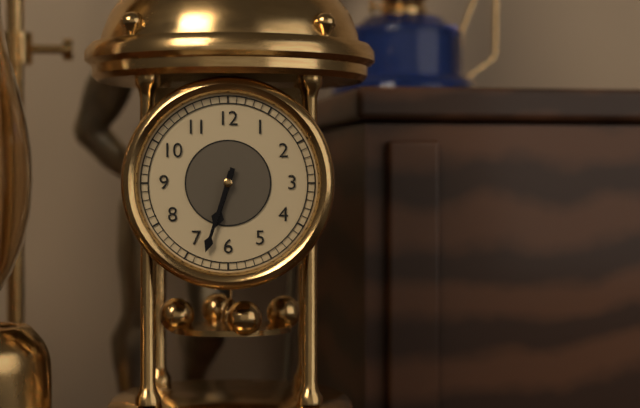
h=6 m=33
